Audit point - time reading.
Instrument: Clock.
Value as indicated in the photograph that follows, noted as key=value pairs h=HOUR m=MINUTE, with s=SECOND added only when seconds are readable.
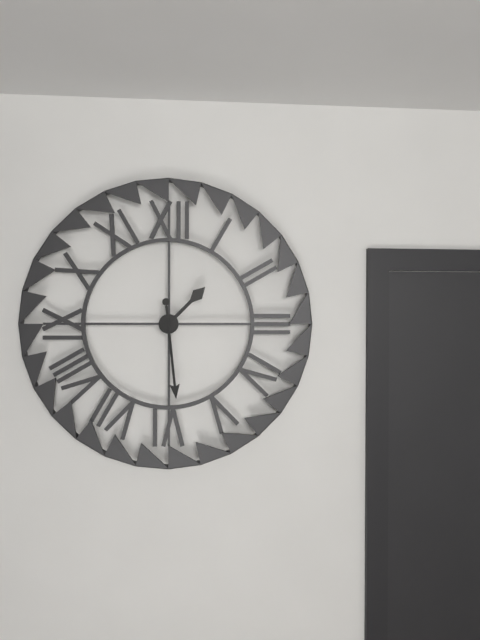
h=1 m=29
